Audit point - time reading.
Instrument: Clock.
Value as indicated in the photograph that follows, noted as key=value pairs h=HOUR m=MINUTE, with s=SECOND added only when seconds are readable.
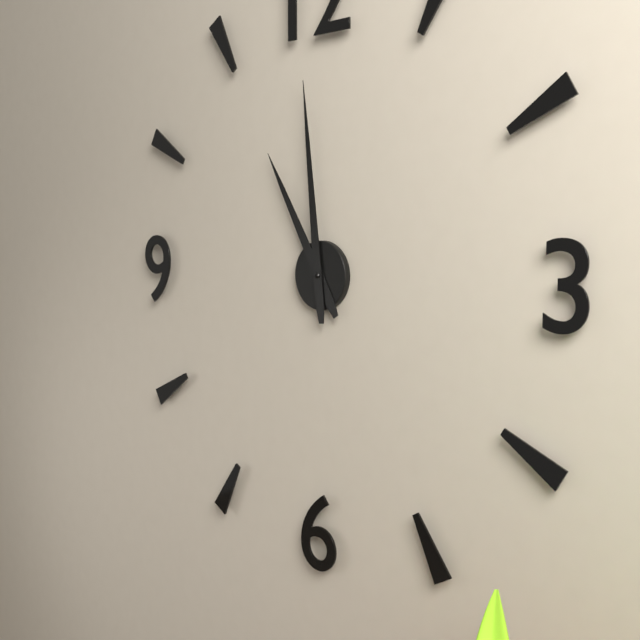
h=10 m=59
